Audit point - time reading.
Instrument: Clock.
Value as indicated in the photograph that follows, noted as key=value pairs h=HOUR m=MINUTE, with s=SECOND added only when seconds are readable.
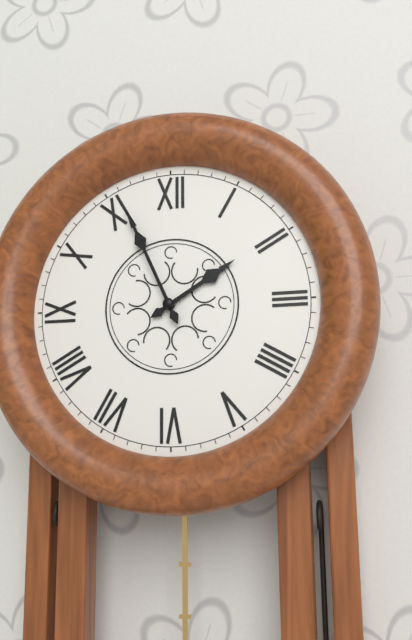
h=1 m=56
